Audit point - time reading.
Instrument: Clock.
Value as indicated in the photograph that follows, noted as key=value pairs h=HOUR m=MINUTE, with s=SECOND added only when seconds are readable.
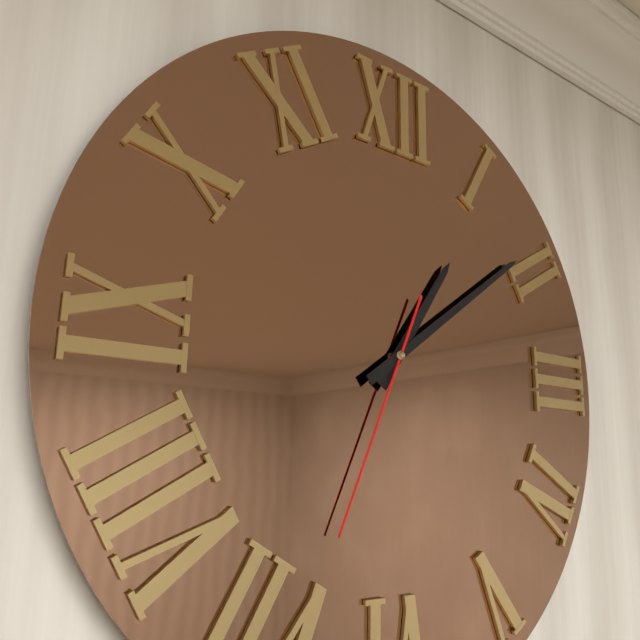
h=1 m=9 s=34
